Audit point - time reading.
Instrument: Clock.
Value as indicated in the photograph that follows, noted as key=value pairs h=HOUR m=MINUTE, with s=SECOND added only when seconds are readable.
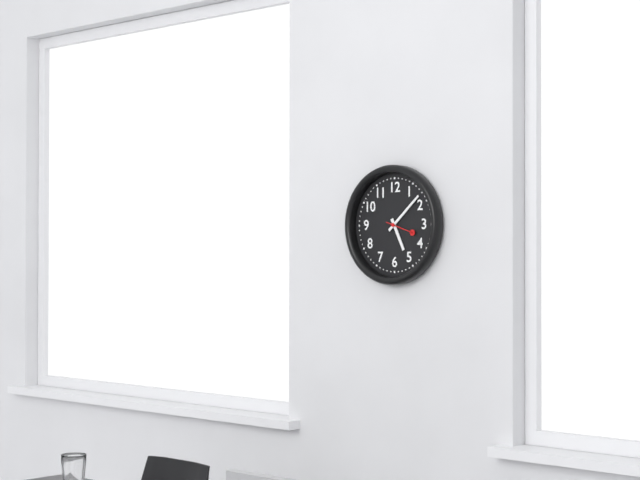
h=5 m=8
